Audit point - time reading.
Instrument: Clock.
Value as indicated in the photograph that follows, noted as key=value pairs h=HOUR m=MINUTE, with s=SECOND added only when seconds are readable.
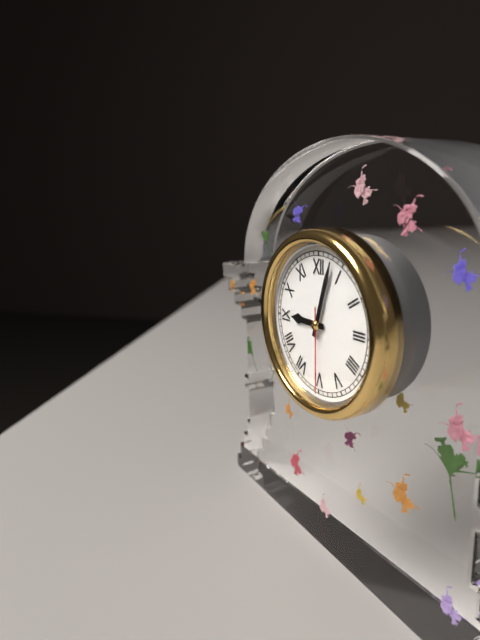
h=9 m=3 s=30
